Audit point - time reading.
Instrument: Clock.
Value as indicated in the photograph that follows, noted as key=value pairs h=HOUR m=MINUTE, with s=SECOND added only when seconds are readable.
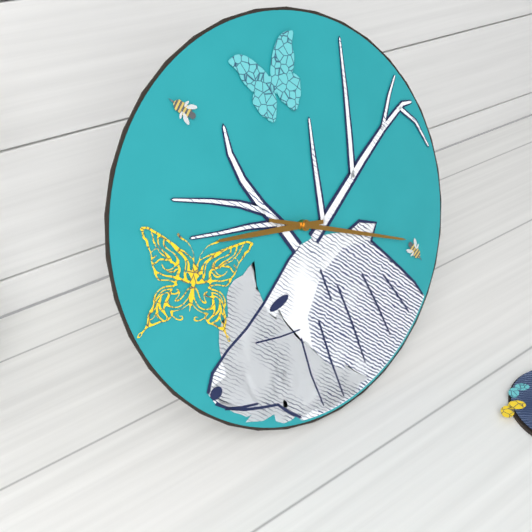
h=9 m=19
